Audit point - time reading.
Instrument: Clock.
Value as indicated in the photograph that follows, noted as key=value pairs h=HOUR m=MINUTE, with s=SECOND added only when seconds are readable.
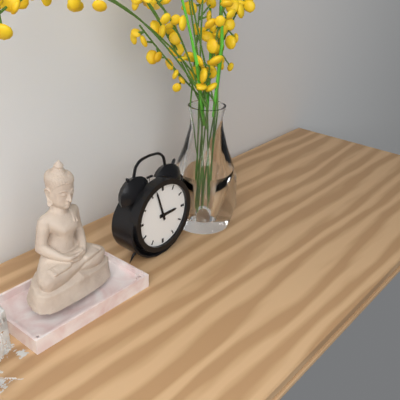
h=2 m=57
